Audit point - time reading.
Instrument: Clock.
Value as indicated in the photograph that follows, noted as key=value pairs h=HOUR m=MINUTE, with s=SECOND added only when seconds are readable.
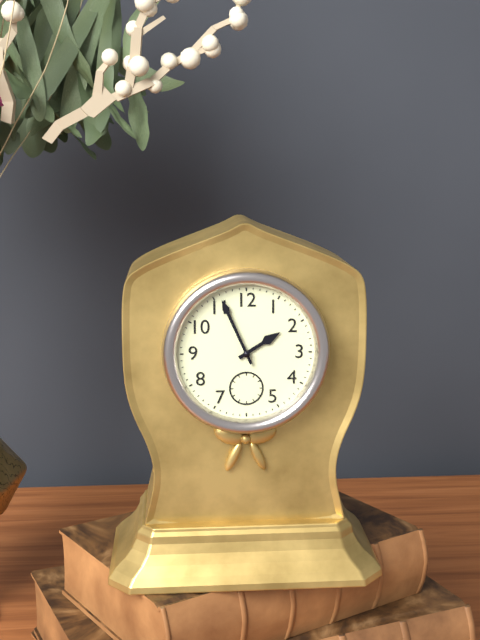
h=1 m=56
